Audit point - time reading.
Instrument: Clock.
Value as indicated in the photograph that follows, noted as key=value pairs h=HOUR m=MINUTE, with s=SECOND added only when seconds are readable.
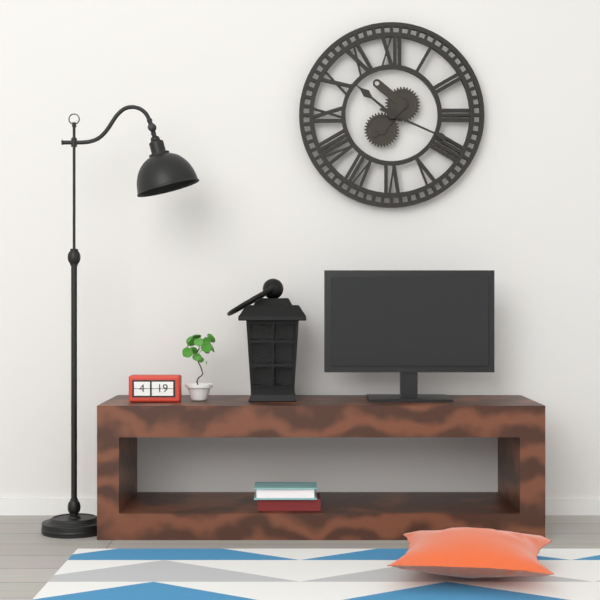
h=10 m=19
